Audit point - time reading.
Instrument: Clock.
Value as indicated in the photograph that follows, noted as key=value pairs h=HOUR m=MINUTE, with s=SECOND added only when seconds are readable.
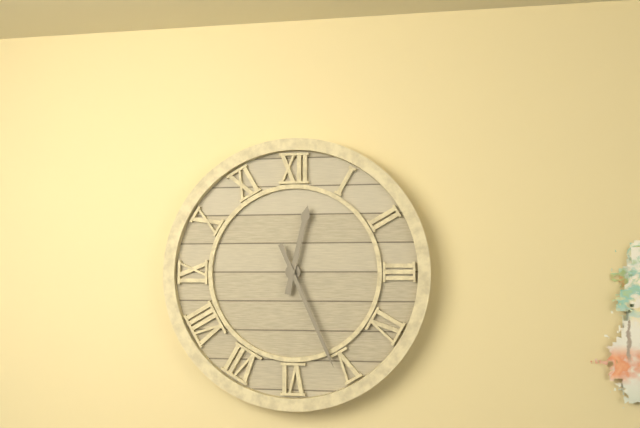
h=12 m=26
